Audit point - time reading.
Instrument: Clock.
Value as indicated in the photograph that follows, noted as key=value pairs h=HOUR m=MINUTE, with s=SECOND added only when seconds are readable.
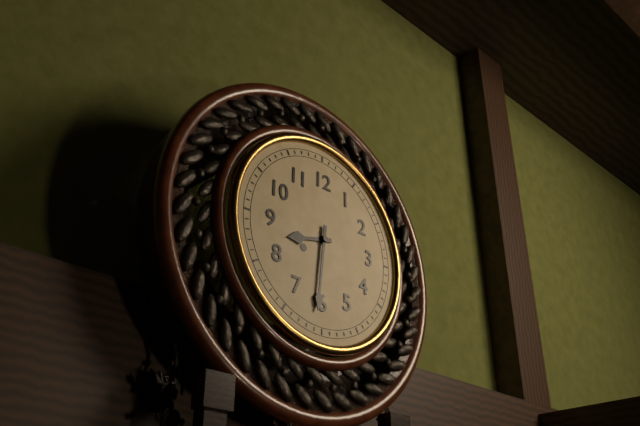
h=8 m=31
